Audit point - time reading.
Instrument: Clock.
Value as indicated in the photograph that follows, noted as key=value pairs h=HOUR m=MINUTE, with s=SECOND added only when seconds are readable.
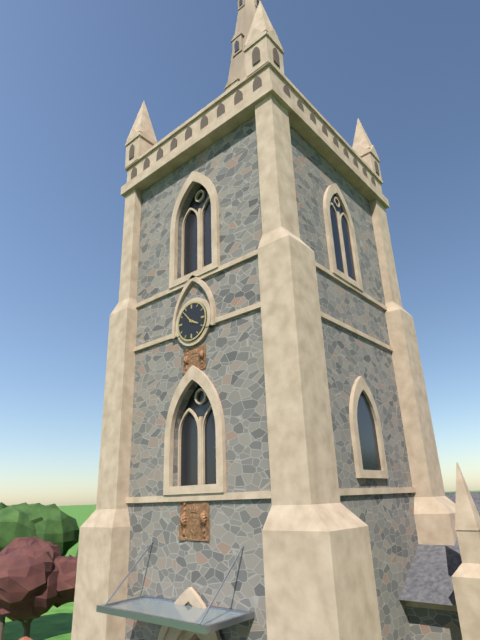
h=3 m=53
